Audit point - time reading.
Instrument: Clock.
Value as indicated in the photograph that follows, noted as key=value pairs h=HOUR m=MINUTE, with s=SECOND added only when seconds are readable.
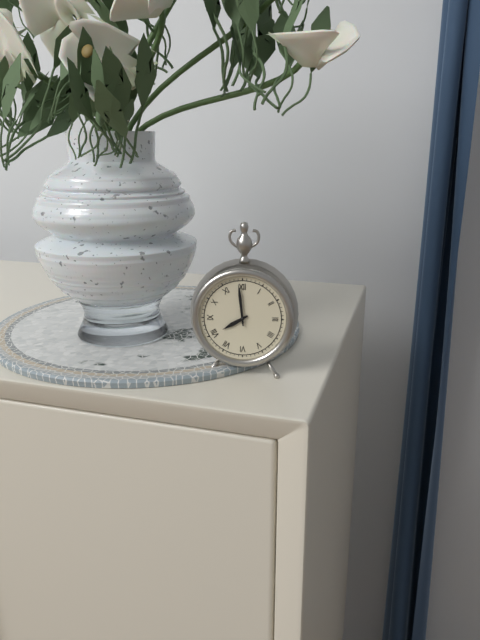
h=7 m=59
